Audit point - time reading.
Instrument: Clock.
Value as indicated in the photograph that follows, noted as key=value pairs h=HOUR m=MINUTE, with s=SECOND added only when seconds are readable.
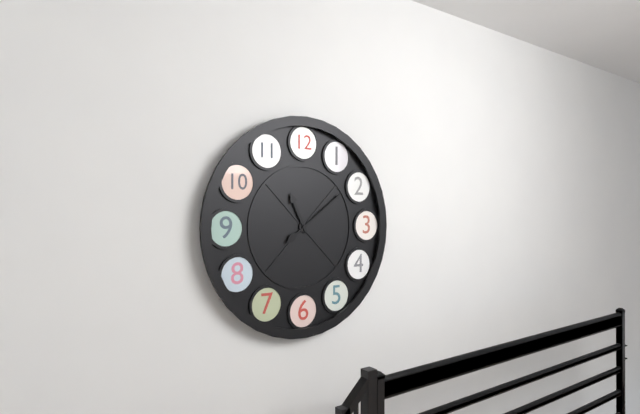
h=11 m=9
